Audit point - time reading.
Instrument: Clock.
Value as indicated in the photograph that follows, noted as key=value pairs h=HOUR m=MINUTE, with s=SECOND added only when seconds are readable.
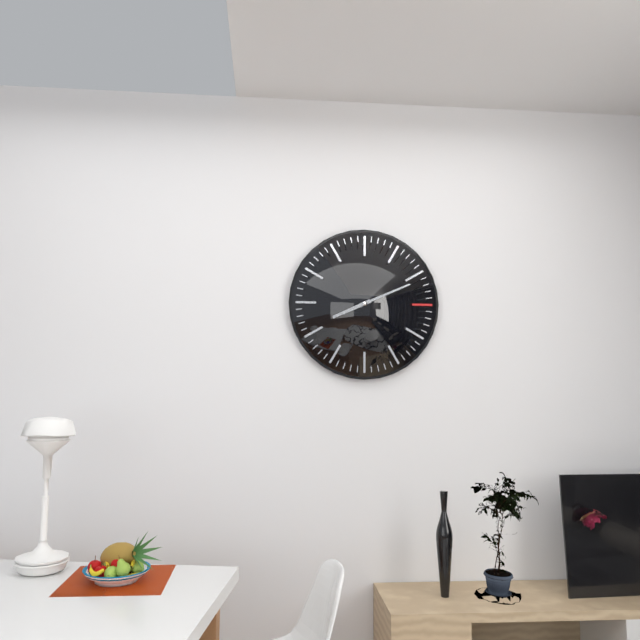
h=8 m=11
